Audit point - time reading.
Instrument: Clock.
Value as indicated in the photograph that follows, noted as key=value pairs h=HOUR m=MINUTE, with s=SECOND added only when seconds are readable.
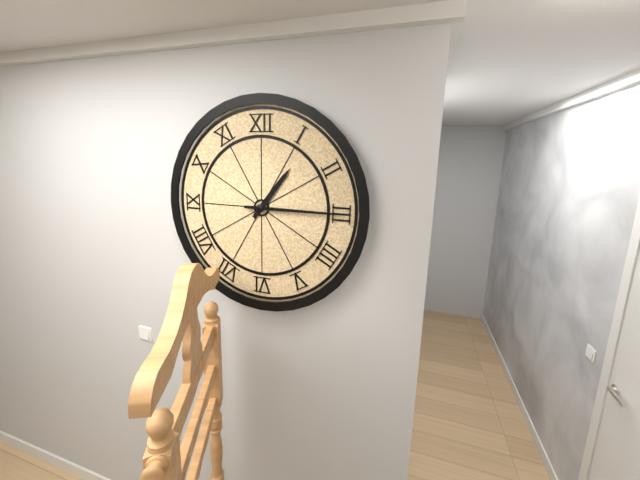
h=1 m=15
